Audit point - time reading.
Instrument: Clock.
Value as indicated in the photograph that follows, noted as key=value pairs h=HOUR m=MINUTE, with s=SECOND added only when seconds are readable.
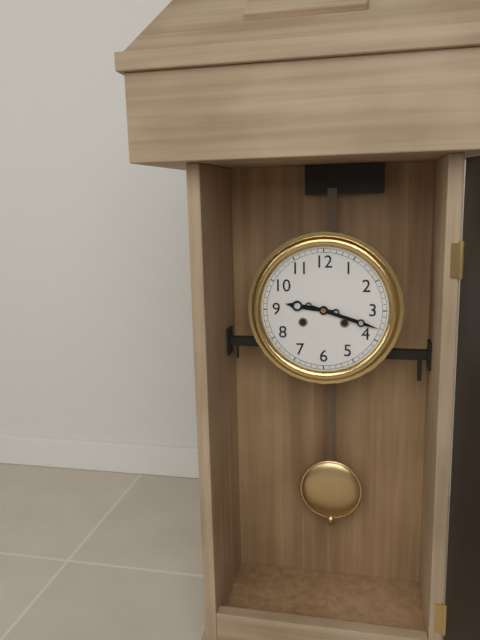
h=9 m=18
